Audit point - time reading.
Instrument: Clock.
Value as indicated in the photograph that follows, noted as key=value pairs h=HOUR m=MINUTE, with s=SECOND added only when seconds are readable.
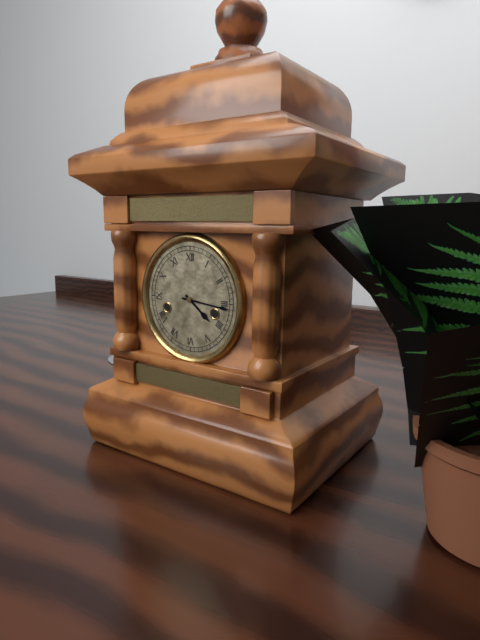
h=4 m=16
